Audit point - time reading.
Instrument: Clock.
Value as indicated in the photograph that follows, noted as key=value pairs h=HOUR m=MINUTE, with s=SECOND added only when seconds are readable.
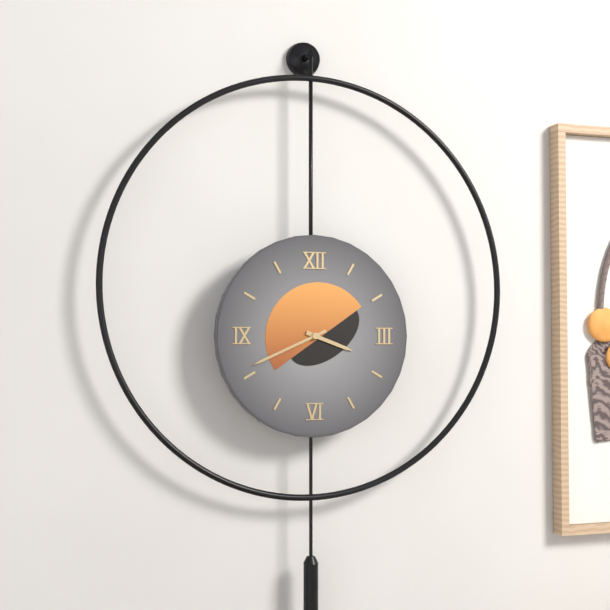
h=3 m=41
